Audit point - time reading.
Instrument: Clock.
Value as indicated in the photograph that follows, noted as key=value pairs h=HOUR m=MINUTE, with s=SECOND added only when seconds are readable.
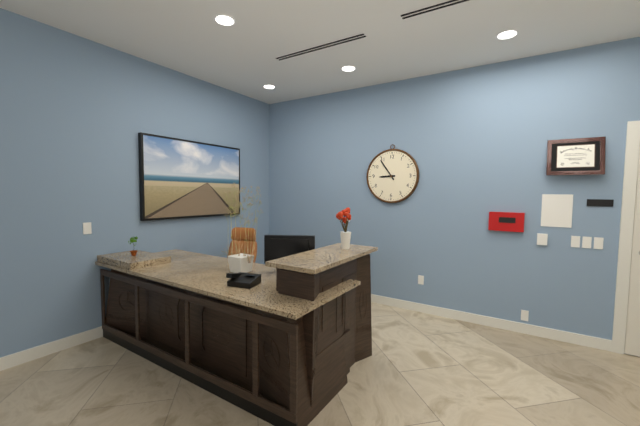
h=8 m=54
